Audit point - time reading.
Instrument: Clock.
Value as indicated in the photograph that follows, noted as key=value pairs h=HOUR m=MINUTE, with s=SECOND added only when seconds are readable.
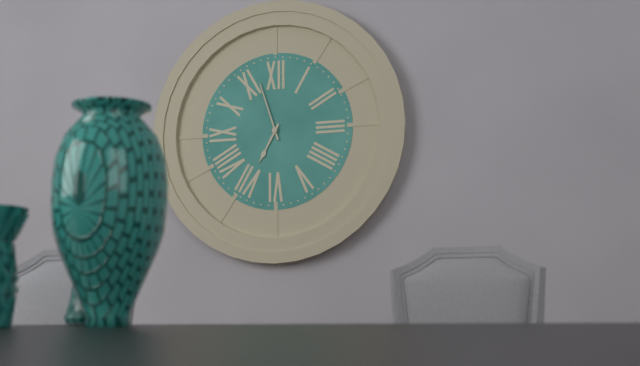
h=6 m=57
